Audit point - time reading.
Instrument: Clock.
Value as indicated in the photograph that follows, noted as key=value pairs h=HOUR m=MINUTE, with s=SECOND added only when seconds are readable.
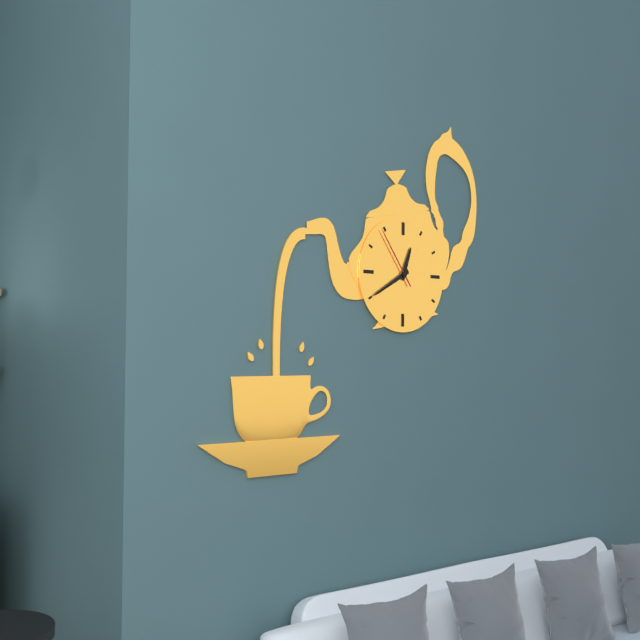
h=12 m=40 s=54
